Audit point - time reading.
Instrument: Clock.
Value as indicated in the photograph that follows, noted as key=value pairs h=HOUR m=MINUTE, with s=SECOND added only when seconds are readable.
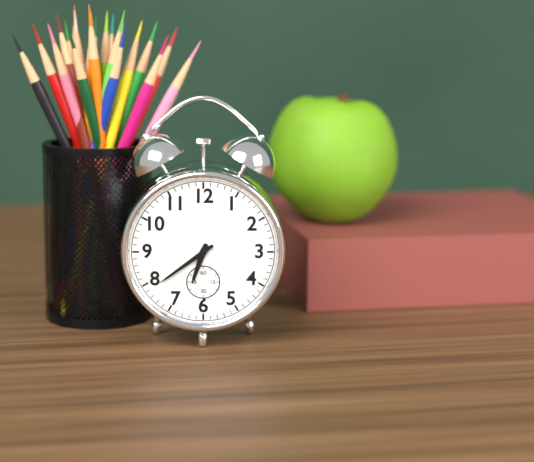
h=6 m=39
